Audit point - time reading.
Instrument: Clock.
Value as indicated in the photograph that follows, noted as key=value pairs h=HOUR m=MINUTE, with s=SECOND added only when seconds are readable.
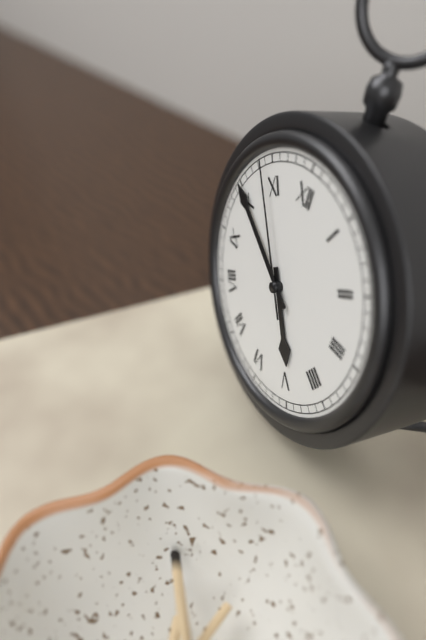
h=4 m=50 s=54
